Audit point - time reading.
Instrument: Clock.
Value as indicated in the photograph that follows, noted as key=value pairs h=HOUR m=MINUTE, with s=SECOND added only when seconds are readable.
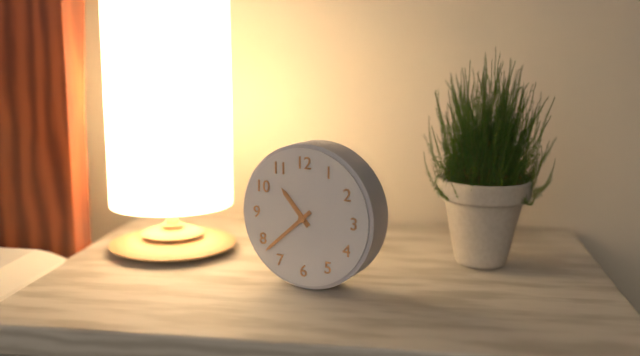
h=10 m=38
